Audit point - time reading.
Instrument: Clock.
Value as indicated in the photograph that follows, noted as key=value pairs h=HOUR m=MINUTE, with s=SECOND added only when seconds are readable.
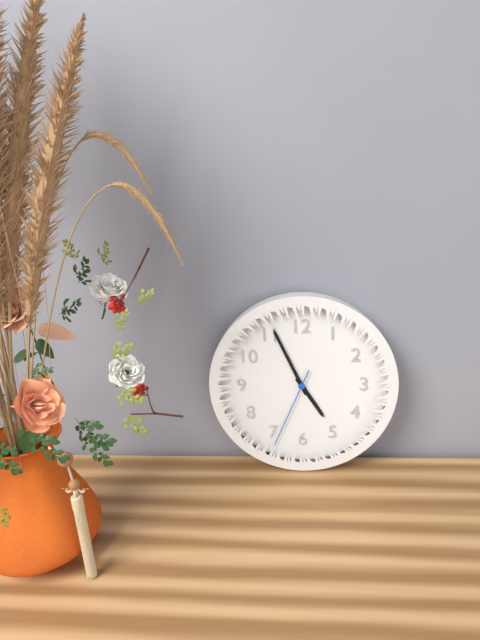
h=4 m=56 s=34
